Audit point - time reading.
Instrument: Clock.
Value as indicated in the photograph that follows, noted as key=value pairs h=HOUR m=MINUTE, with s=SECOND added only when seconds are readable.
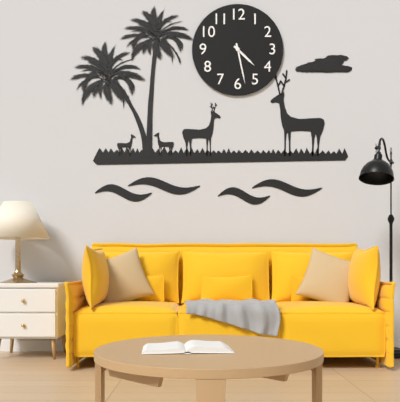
h=4 m=28
